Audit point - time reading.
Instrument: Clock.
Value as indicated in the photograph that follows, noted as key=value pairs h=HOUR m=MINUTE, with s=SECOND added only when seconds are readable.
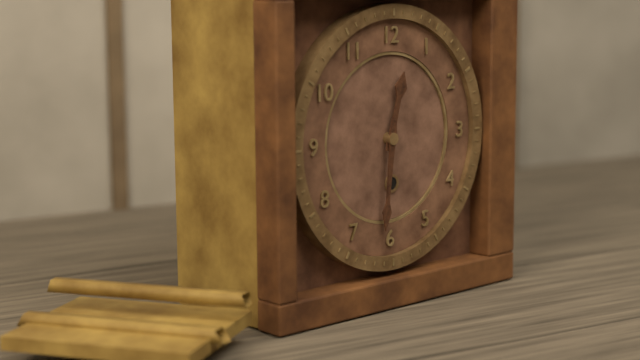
h=12 m=31
